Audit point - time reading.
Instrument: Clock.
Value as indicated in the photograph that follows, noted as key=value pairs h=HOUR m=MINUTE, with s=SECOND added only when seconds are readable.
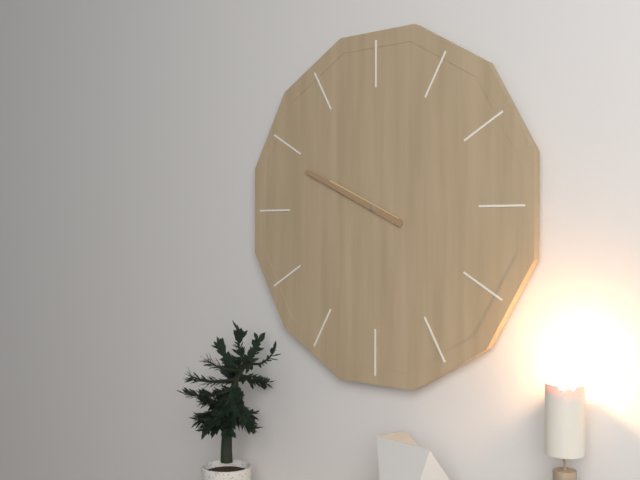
h=9 m=49
